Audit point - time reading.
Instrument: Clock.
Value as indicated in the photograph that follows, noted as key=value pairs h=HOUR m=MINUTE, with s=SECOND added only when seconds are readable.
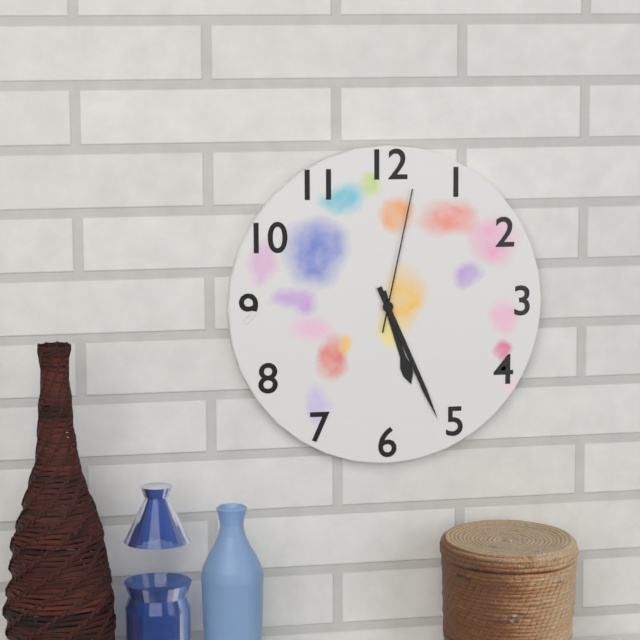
h=5 m=26 s=2
